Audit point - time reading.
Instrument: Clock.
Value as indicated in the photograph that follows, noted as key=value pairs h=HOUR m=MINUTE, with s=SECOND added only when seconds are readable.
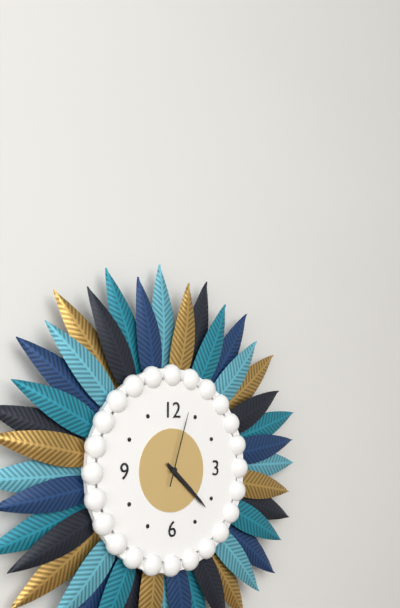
h=4 m=22 s=3
